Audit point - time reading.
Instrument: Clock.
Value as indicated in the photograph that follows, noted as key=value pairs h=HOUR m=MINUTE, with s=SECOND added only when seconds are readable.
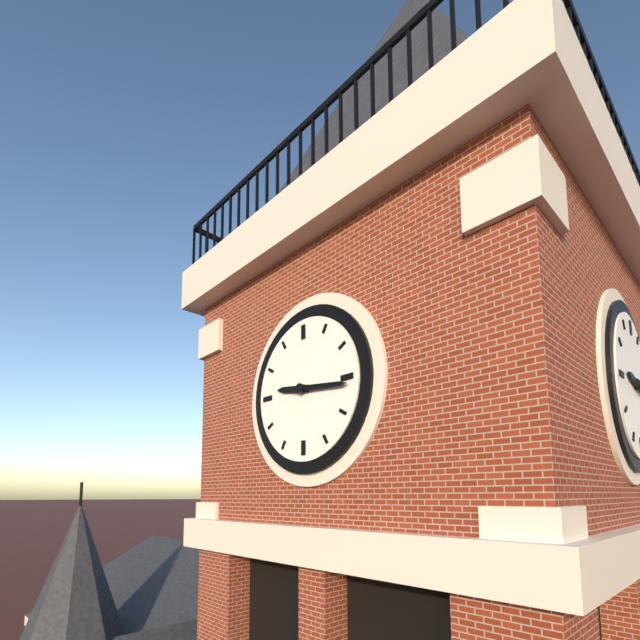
h=9 m=16
